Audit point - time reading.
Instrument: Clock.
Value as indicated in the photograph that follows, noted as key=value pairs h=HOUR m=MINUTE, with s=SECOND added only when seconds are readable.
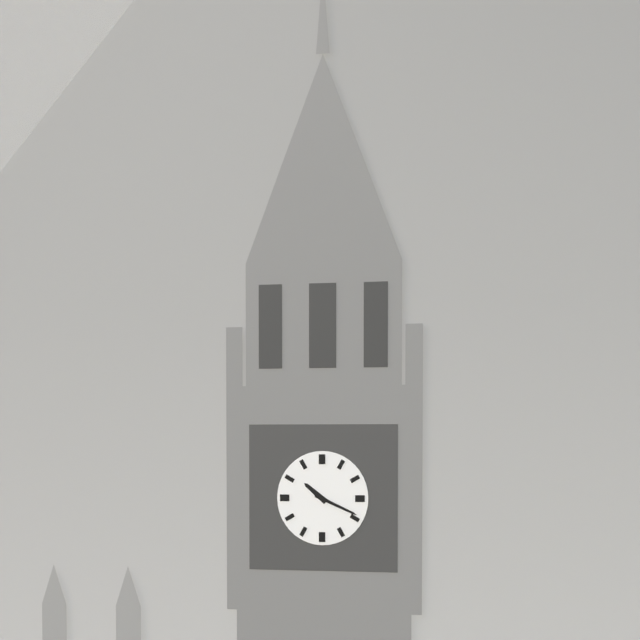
h=10 m=19
